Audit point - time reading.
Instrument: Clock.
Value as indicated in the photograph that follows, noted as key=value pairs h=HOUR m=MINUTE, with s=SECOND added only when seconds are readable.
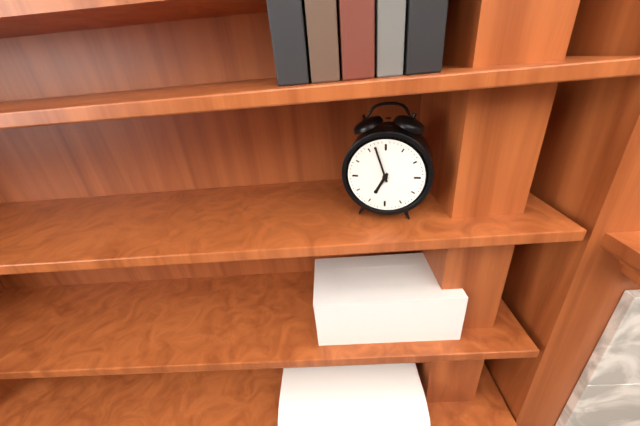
h=6 m=57
